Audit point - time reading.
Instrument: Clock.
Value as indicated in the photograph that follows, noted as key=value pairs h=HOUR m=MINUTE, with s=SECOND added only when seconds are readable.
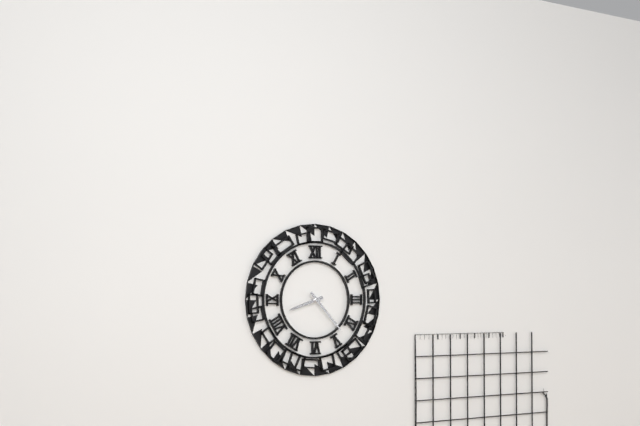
h=8 m=23
